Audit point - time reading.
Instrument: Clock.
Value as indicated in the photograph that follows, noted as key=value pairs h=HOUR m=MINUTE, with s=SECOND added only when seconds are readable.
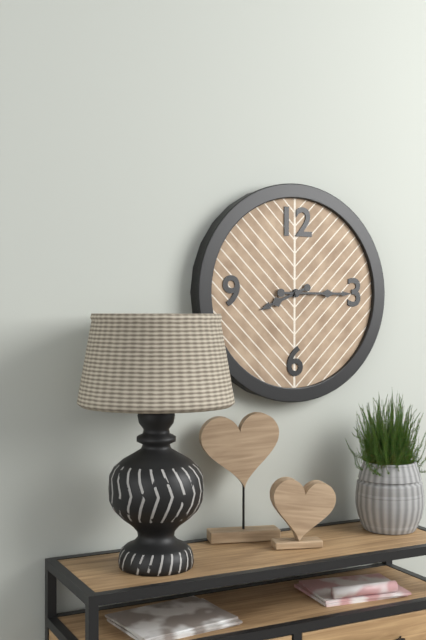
h=8 m=15
